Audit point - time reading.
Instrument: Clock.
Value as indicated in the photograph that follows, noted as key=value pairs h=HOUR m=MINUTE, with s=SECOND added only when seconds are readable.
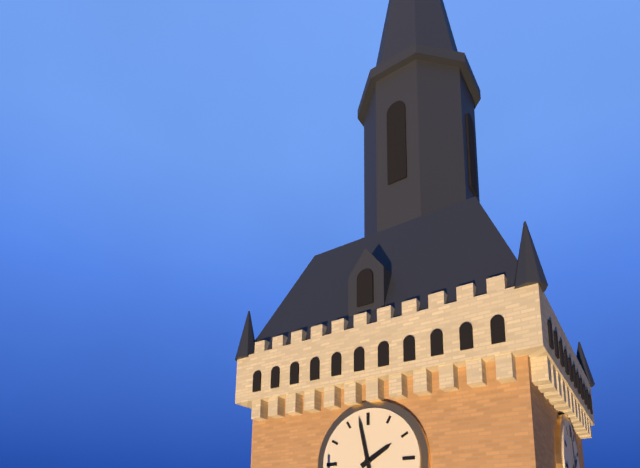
h=1 m=58
